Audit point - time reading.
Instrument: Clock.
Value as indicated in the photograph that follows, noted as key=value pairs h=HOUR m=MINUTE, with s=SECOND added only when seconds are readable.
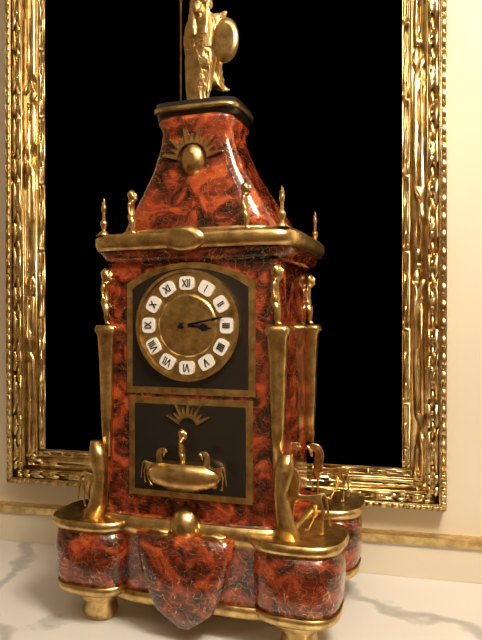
h=3 m=13
